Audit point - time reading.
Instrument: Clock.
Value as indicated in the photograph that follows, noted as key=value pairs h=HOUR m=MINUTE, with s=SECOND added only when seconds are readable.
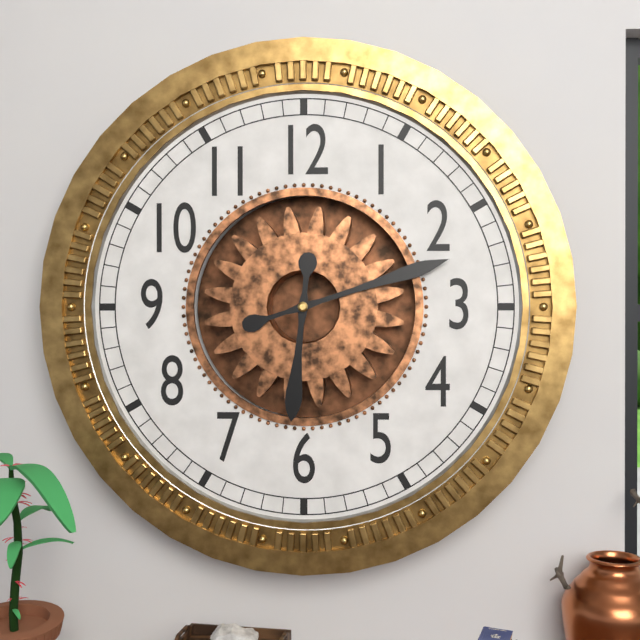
h=6 m=12
